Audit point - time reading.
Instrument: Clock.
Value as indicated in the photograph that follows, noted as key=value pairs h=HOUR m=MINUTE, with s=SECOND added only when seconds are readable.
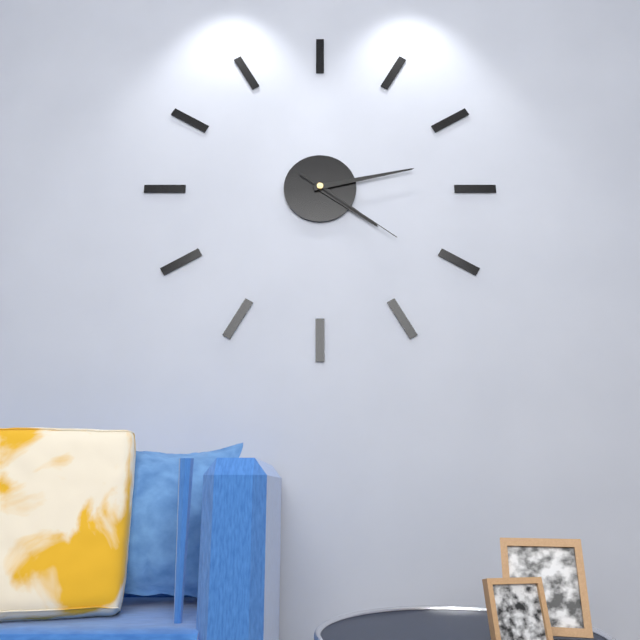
h=4 m=13 s=21
